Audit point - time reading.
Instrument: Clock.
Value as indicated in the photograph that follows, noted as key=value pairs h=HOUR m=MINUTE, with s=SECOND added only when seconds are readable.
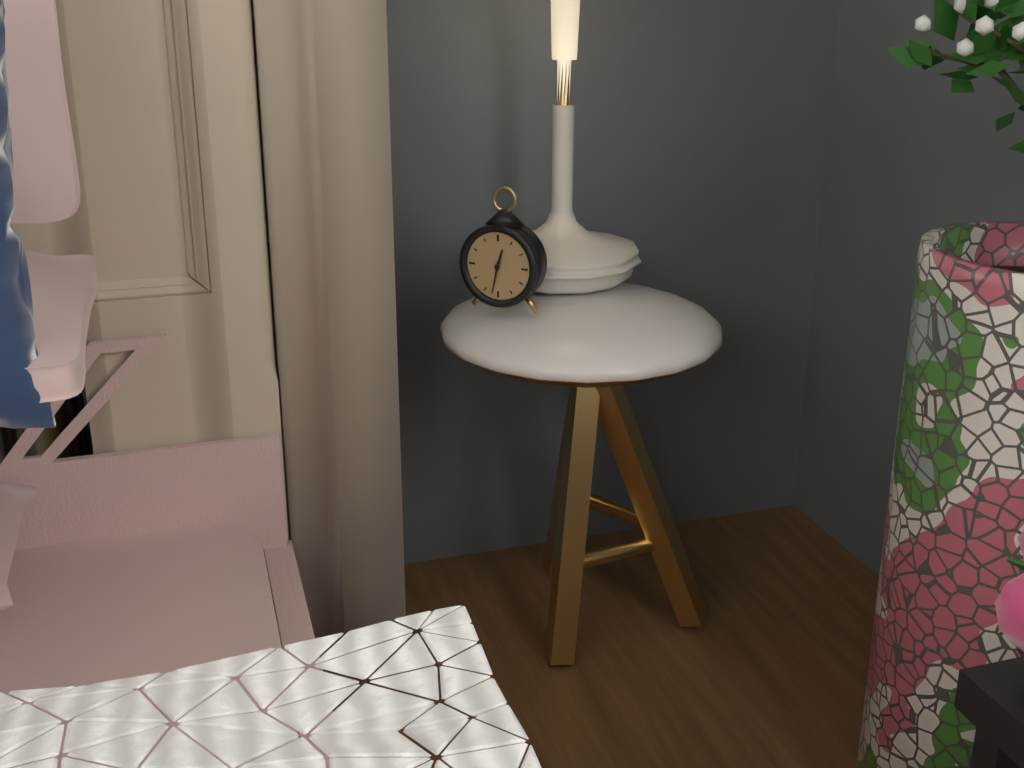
h=12 m=32
